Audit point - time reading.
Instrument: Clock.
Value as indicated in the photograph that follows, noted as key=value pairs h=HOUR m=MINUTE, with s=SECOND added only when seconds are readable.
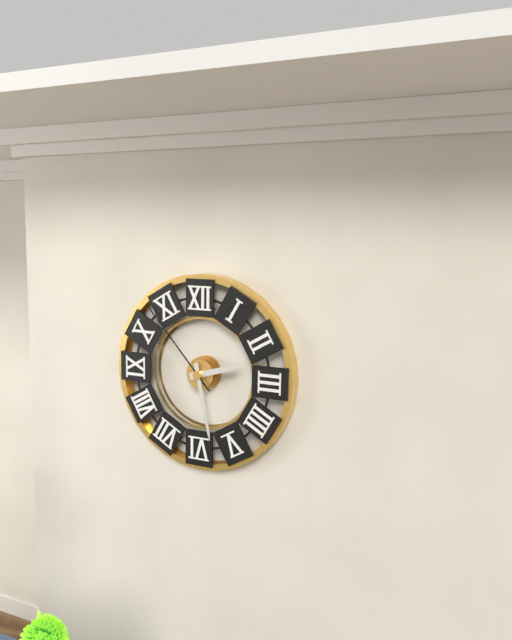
h=2 m=28 s=53
